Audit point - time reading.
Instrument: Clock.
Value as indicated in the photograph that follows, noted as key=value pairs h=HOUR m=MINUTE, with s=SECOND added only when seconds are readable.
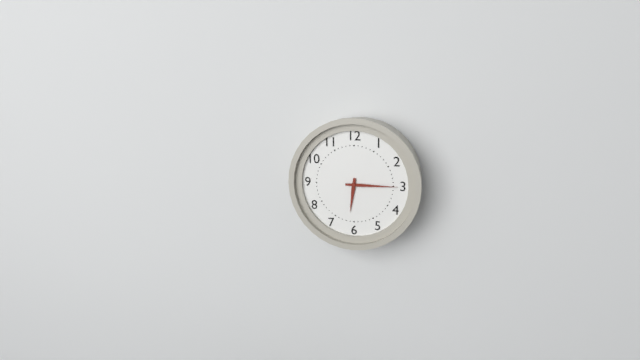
h=6 m=15
